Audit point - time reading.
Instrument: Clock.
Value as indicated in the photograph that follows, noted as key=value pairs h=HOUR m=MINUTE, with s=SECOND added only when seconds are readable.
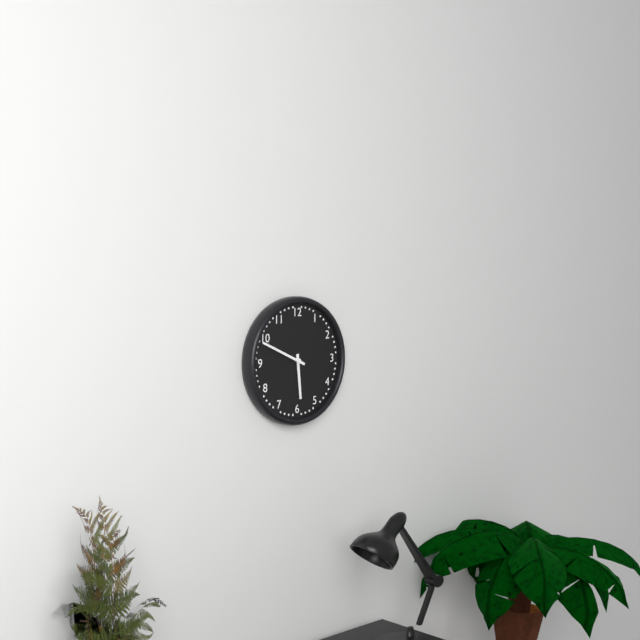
h=5 m=49
